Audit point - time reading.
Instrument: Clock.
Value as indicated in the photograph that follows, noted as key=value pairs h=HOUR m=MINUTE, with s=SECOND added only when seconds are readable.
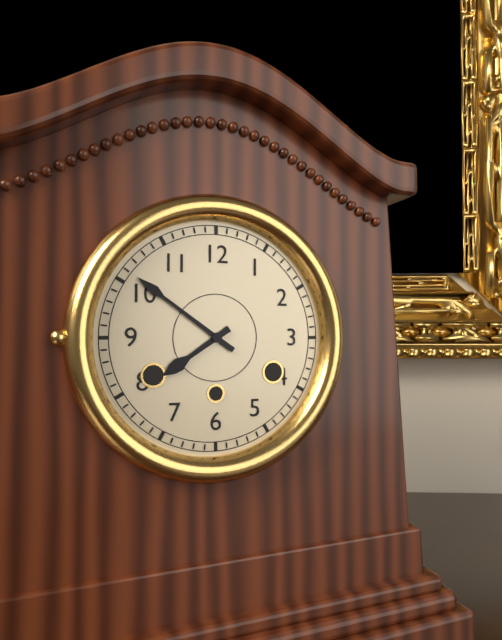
h=7 m=51
